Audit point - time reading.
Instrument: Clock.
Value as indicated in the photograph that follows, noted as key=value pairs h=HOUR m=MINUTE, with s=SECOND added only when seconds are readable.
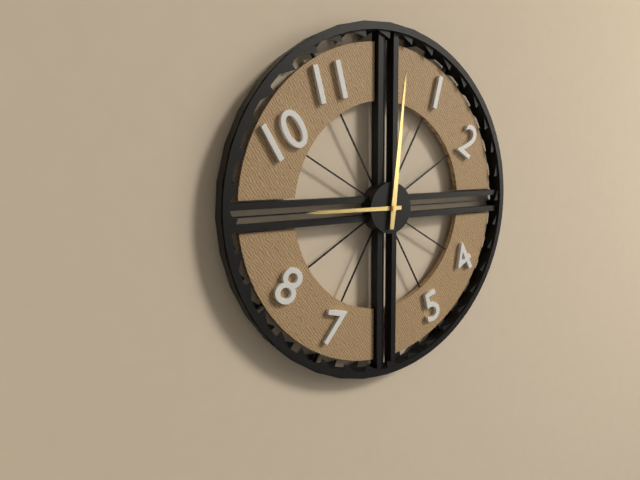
h=9 m=1
